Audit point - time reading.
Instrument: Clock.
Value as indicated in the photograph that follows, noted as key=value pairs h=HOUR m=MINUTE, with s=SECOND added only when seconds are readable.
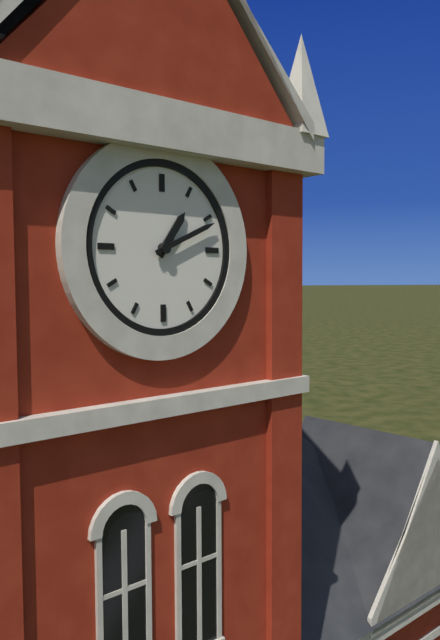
h=1 m=11
